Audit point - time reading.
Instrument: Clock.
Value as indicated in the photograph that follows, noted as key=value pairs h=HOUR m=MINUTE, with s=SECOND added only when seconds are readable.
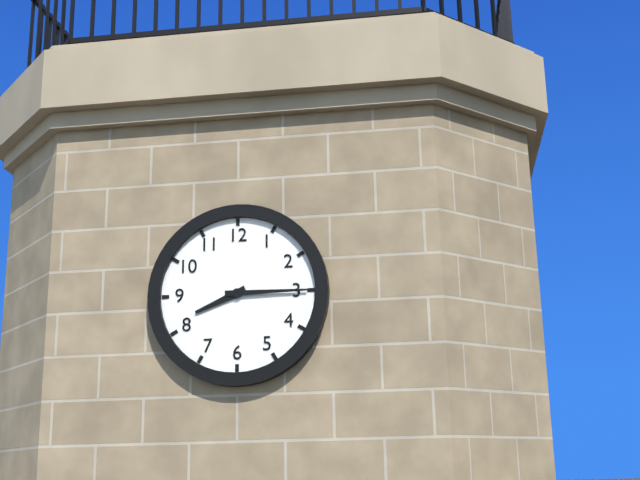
h=8 m=15
